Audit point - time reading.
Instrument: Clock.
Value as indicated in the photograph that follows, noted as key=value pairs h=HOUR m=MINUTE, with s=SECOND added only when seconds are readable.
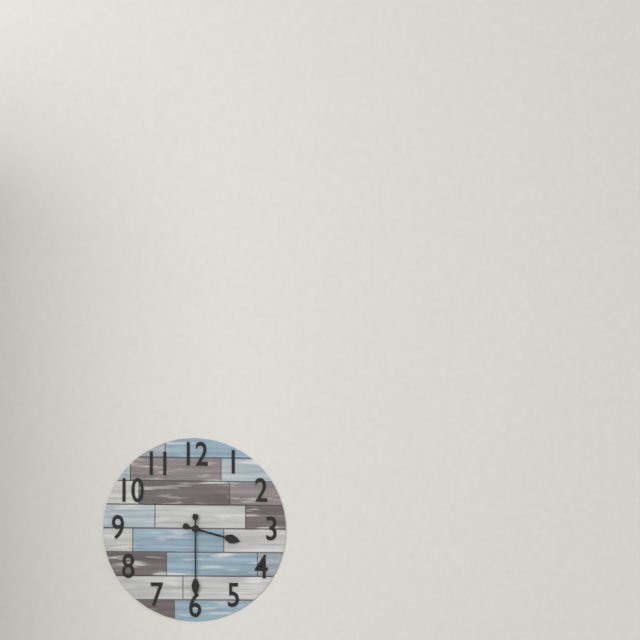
h=3 m=30
